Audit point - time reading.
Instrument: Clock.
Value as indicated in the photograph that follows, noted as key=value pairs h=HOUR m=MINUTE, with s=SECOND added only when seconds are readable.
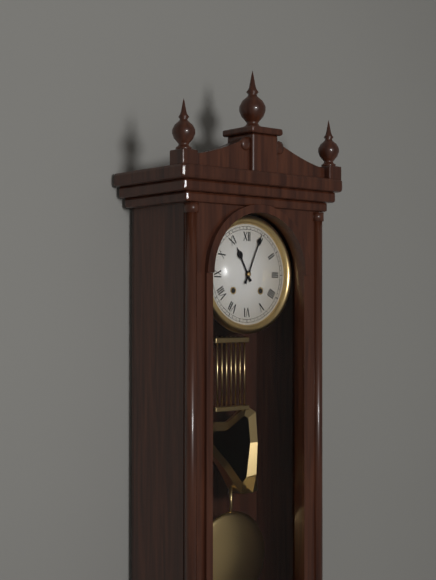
h=11 m=4
